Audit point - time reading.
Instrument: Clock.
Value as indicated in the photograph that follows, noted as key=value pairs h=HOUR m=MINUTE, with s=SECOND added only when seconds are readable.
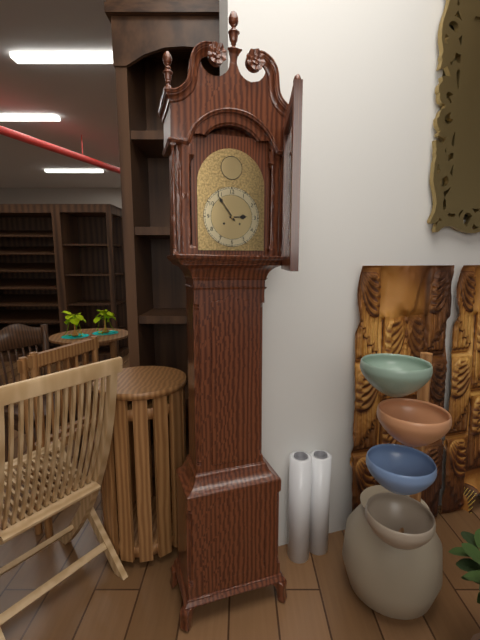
h=2 m=54
